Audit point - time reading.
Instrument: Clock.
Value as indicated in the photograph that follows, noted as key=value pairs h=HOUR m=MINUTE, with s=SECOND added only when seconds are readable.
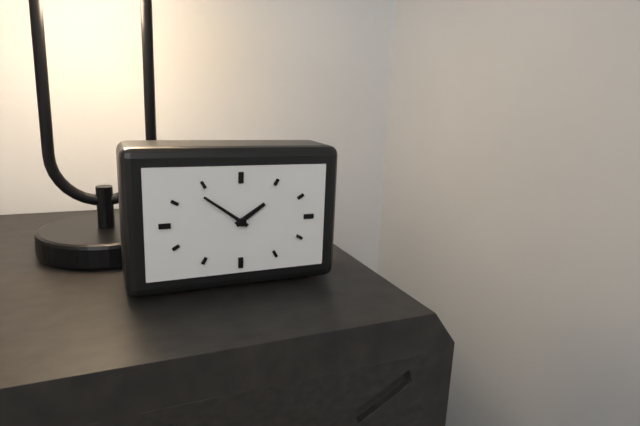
h=1 m=51
